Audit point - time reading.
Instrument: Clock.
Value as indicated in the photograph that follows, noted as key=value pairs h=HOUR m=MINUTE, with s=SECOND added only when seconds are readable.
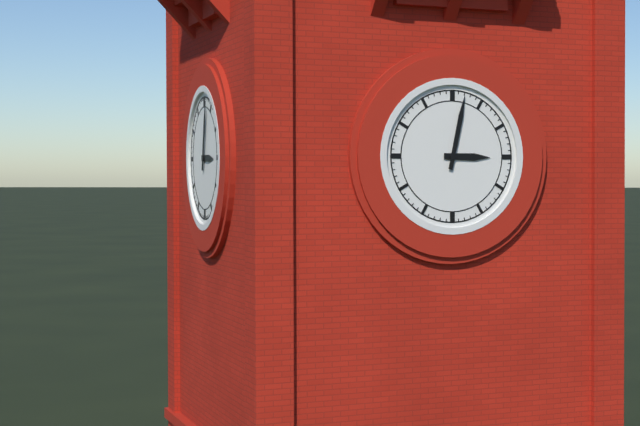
h=3 m=2
